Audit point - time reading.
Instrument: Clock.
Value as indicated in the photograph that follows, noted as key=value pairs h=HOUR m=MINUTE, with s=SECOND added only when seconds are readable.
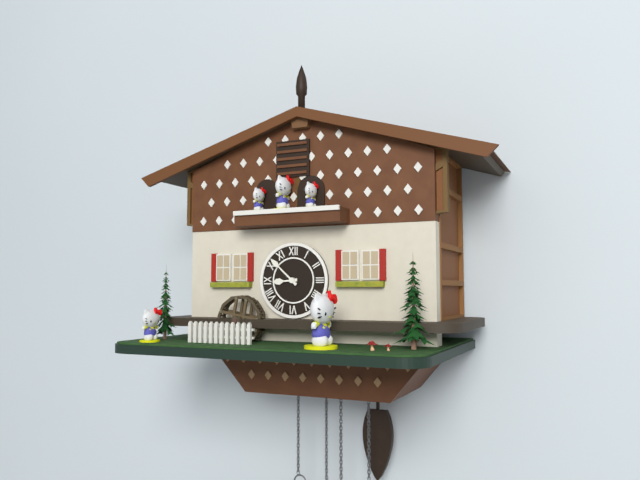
h=8 m=52
